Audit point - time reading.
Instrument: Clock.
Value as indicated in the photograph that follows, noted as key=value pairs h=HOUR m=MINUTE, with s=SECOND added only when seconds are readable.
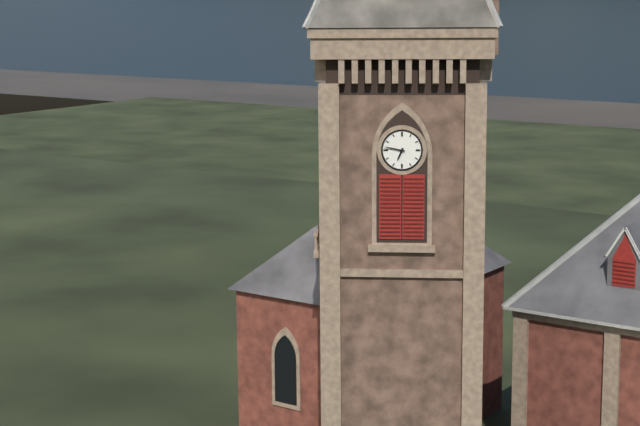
h=6 m=47
